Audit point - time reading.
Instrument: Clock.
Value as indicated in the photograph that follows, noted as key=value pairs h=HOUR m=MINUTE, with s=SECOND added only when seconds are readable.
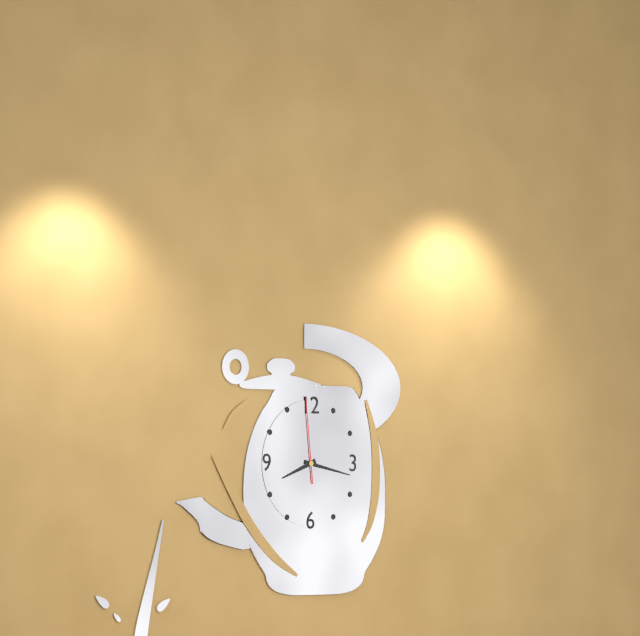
h=8 m=17 s=59
